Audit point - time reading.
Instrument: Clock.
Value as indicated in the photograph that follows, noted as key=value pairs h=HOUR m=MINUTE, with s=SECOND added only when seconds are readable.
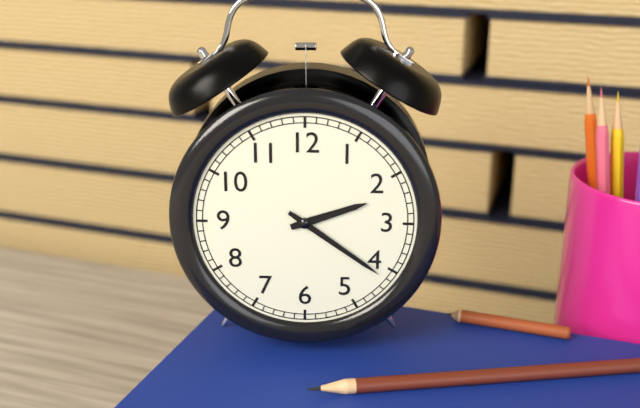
h=2 m=21
